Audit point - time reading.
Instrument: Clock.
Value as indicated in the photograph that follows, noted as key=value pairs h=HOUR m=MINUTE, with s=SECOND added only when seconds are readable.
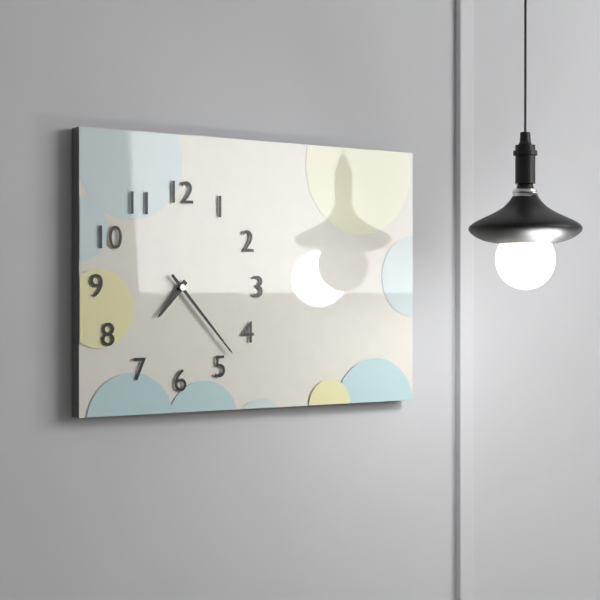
h=7 m=23
